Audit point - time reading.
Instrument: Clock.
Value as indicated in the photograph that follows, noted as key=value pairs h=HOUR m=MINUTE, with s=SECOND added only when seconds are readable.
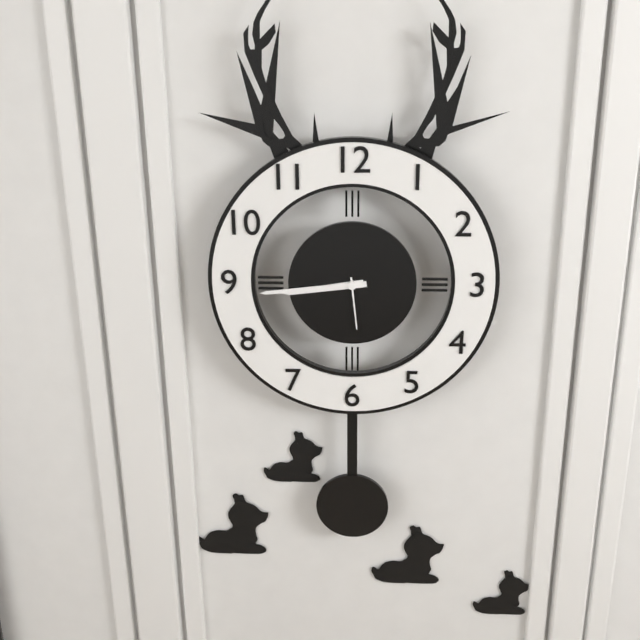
h=8 m=44 s=29
